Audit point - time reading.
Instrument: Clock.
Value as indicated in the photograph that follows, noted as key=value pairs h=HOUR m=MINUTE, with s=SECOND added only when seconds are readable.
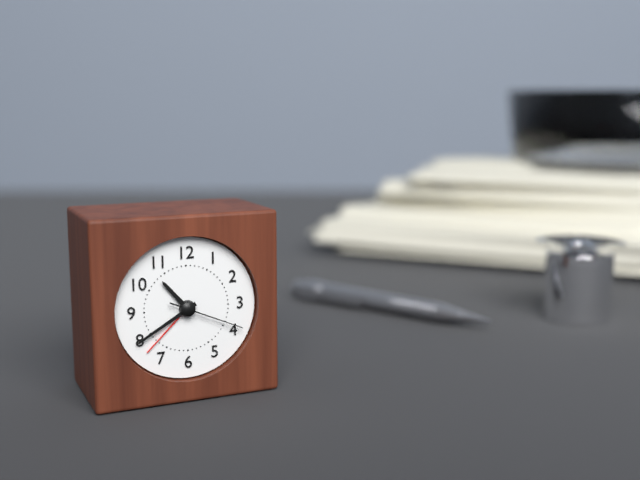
h=10 m=40 s=19
